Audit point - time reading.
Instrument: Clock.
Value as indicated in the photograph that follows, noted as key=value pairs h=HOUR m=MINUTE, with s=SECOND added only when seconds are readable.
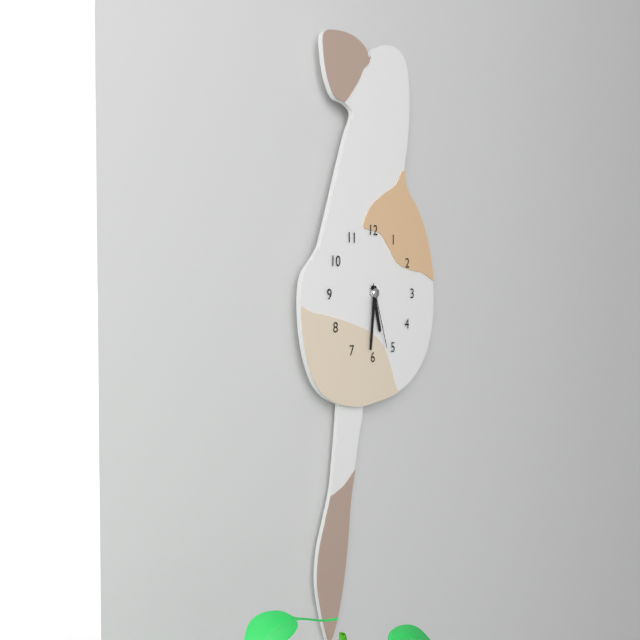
h=5 m=31 s=27
